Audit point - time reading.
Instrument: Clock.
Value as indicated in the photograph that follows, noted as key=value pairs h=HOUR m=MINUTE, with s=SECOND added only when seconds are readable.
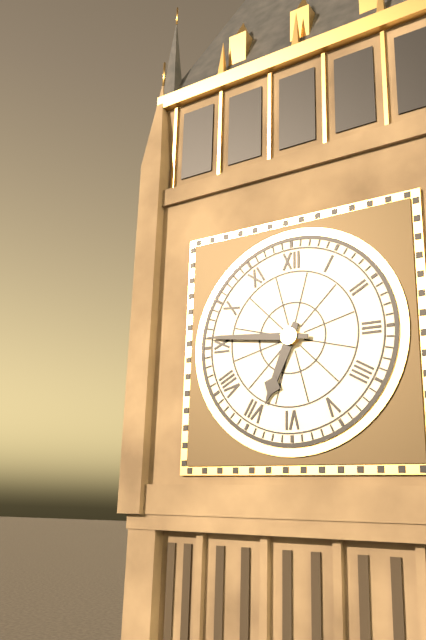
h=6 m=46
